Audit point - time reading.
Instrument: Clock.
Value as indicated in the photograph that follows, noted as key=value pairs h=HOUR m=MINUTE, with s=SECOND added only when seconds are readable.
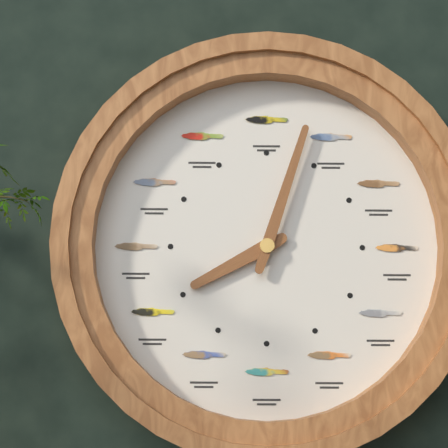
h=8 m=3
